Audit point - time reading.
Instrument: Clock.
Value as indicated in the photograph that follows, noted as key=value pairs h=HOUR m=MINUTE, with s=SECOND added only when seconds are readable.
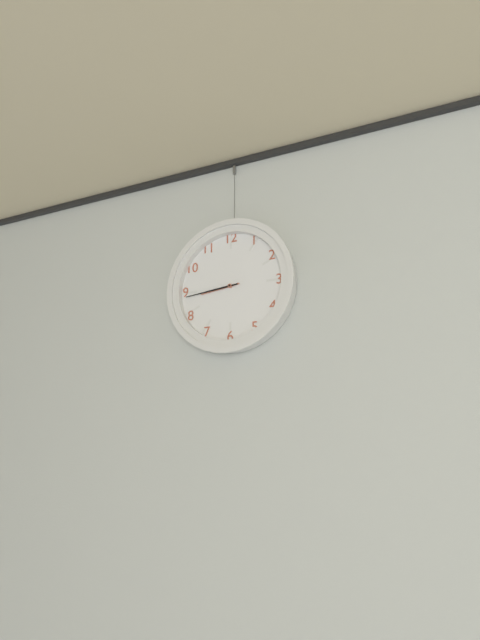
h=8 m=44
